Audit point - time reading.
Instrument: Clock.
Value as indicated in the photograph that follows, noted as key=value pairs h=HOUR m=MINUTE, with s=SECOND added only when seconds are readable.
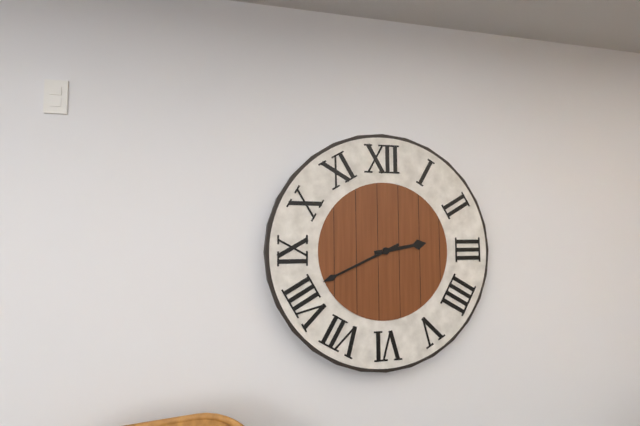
h=2 m=41
